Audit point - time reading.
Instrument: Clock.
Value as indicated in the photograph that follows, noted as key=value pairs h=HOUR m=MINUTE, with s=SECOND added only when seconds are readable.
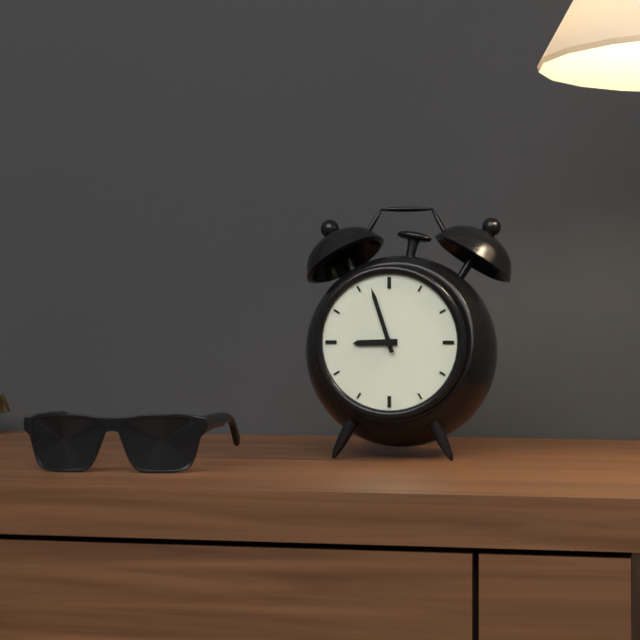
h=8 m=57
